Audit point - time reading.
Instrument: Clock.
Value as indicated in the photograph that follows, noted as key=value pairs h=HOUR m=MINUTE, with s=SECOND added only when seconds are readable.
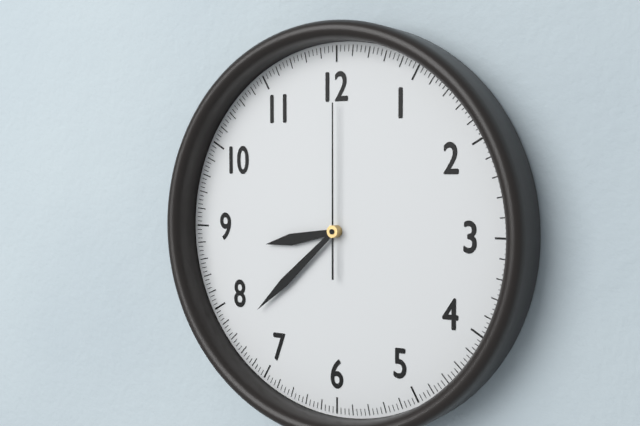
h=8 m=38 s=0
